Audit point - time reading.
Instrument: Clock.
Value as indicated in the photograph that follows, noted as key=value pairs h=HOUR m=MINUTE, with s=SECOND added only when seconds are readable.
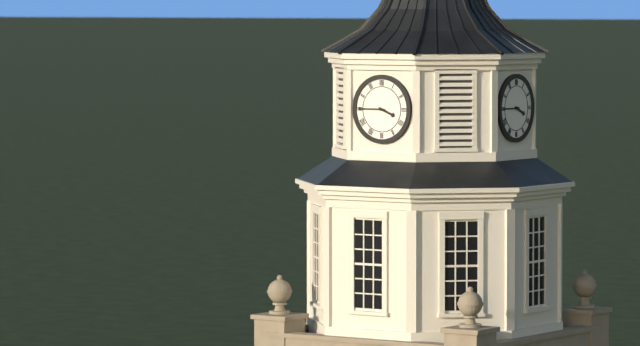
h=3 m=45
